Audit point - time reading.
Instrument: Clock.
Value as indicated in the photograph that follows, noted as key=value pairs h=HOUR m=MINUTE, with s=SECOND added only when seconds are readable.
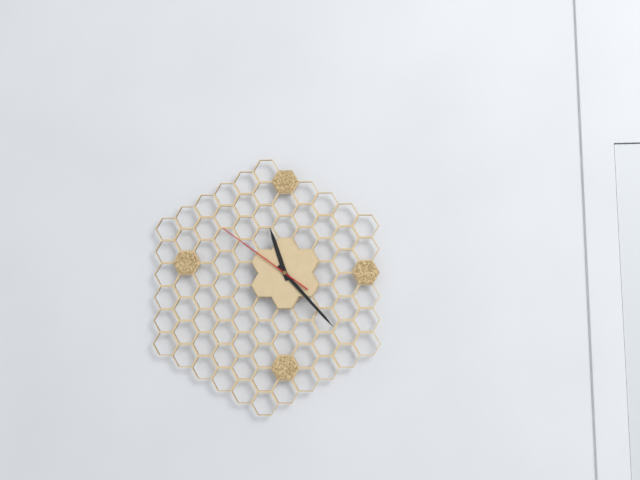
h=11 m=23 s=51
